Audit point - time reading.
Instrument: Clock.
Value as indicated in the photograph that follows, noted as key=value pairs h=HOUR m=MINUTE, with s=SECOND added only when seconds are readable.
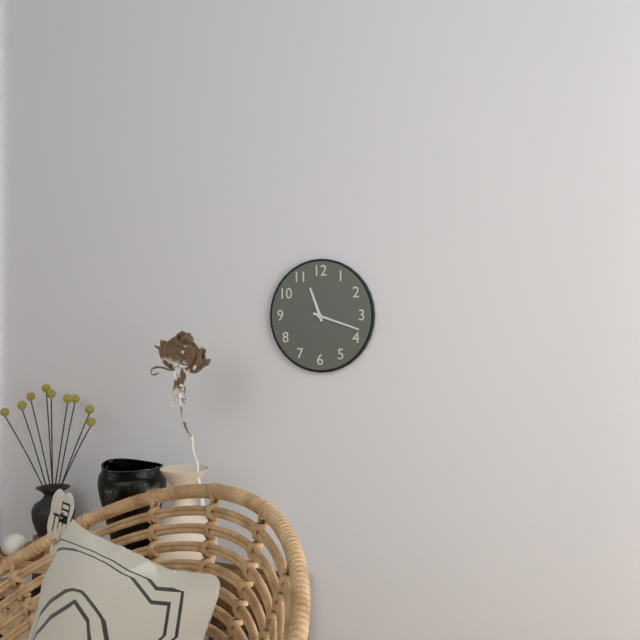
h=11 m=18
